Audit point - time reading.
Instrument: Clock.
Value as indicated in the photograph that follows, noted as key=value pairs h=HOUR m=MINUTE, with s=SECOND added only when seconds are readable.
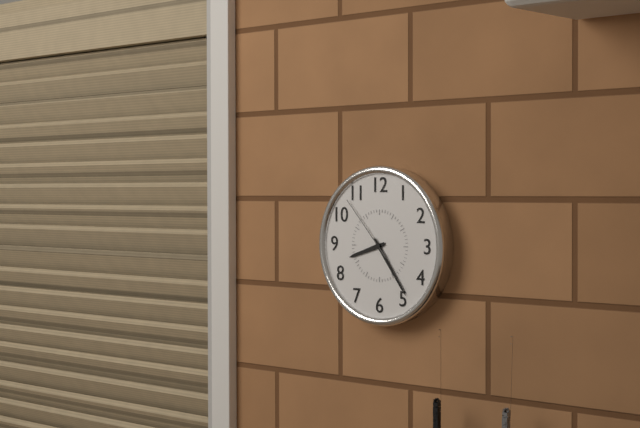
h=8 m=24 s=53
